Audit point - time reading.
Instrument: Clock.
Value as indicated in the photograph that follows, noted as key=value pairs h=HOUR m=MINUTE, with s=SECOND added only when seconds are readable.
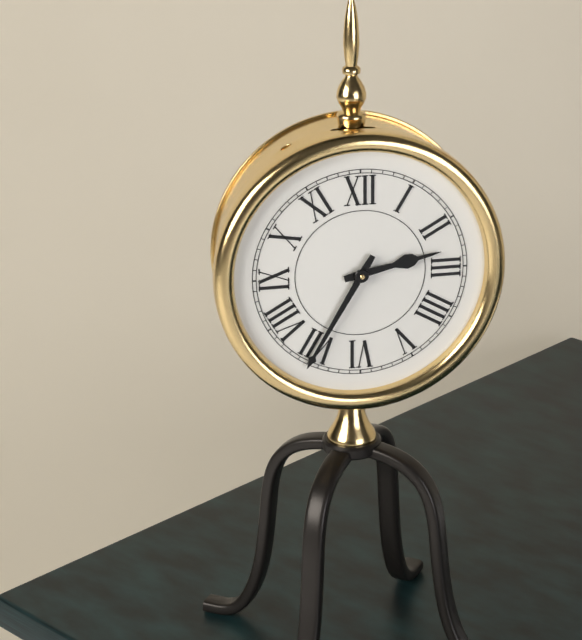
h=2 m=35
